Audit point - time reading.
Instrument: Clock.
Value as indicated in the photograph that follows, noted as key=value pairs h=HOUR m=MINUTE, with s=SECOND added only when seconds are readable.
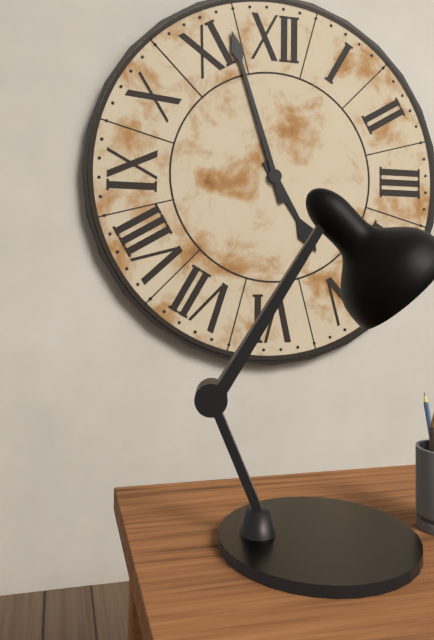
h=4 m=57
